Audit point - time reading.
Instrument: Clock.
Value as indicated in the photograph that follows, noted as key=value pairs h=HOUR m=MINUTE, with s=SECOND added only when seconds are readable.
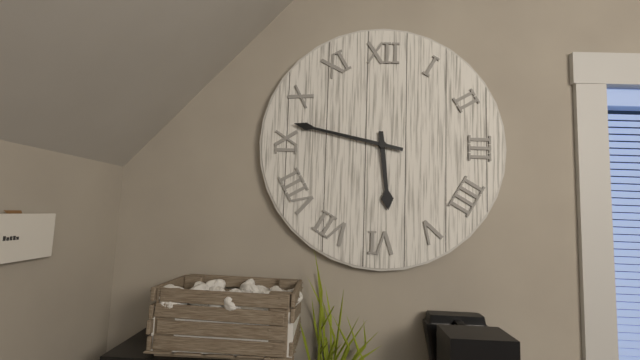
h=5 m=47
